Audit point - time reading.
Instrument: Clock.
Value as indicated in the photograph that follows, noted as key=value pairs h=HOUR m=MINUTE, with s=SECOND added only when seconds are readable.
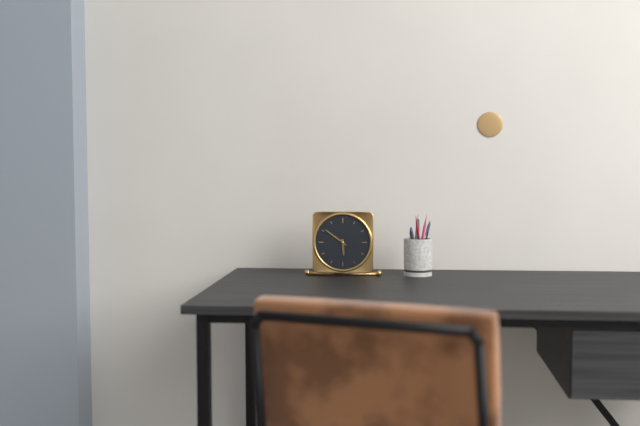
h=5 m=51
